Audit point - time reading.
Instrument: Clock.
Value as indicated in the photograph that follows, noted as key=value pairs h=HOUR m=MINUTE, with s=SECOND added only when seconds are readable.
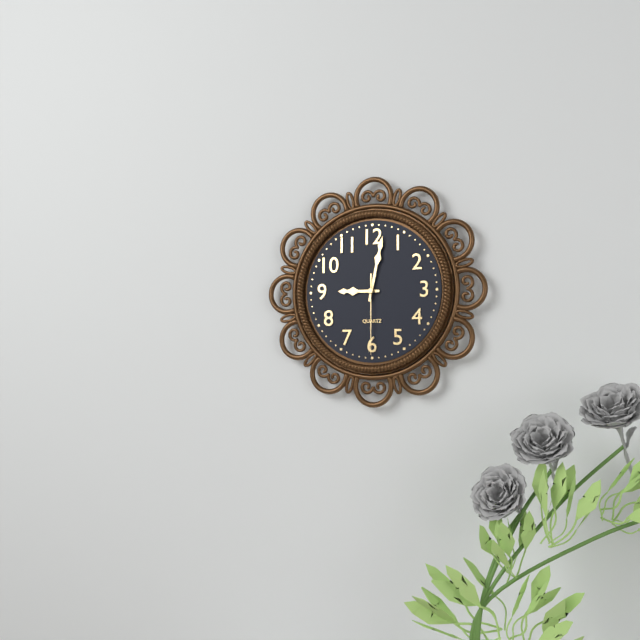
h=9 m=2 s=30
